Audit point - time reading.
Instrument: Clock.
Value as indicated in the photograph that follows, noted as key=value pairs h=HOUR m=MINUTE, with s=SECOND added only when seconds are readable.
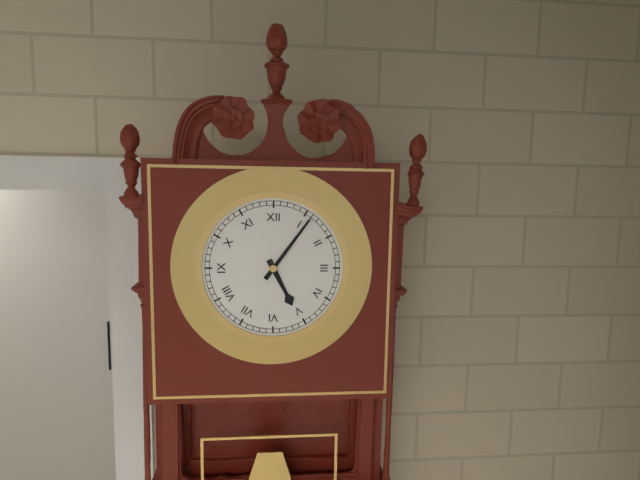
h=5 m=6
